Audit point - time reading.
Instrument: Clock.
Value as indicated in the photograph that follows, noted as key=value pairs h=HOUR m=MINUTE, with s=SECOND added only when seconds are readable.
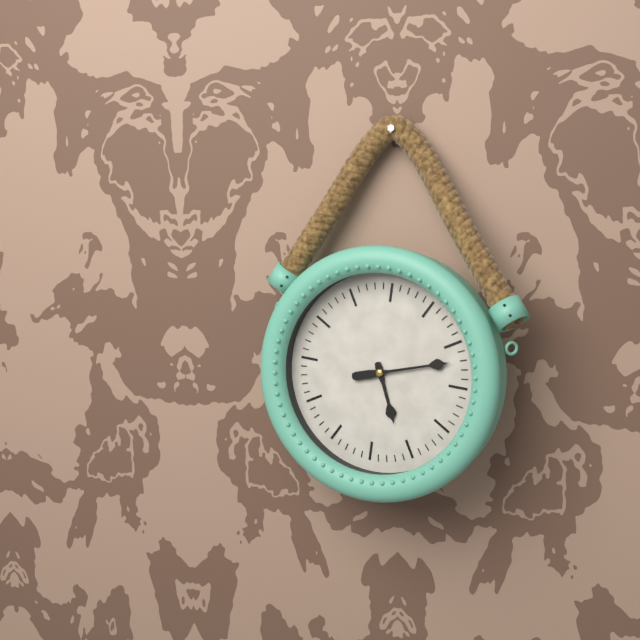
h=5 m=12
